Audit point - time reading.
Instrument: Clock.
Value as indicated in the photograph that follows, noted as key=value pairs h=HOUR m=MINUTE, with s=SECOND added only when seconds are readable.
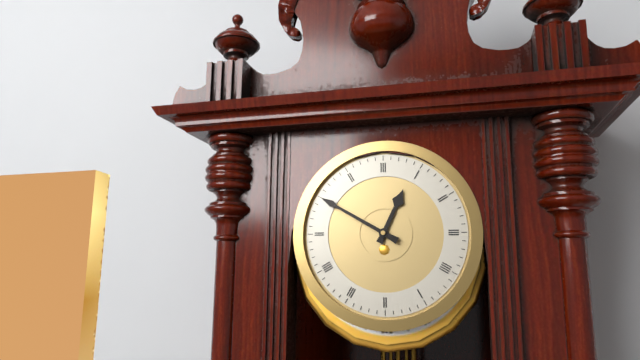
h=12 m=50
